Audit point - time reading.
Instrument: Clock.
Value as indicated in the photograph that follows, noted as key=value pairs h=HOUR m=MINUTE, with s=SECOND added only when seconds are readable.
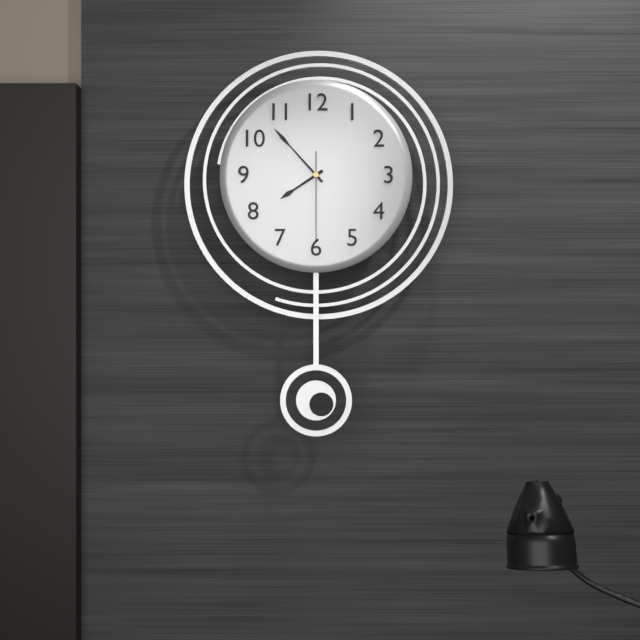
h=7 m=53 s=30
